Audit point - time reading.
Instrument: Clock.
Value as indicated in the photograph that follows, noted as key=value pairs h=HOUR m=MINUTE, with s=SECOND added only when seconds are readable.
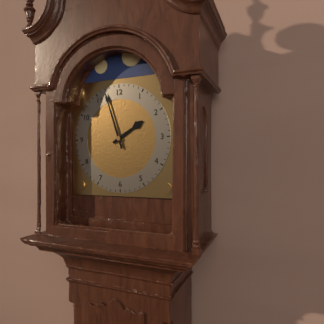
h=1 m=57
